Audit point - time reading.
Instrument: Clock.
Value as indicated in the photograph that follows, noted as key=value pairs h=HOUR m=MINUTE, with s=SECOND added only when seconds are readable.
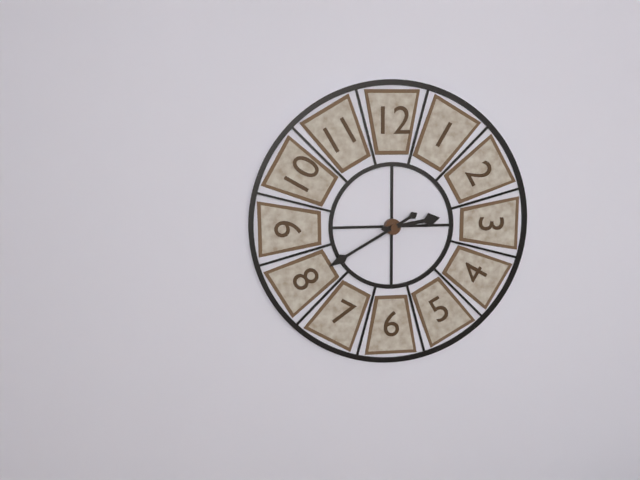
h=2 m=40
